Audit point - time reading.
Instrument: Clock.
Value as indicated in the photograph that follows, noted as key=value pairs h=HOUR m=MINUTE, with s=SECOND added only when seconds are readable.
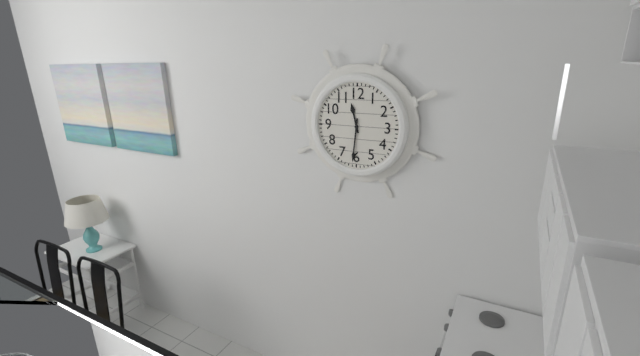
h=11 m=31
